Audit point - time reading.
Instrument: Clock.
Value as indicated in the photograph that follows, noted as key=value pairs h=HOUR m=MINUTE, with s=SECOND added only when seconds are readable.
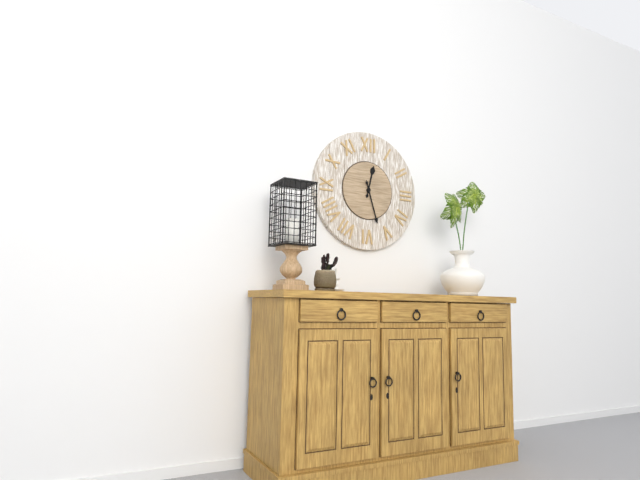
h=12 m=27
